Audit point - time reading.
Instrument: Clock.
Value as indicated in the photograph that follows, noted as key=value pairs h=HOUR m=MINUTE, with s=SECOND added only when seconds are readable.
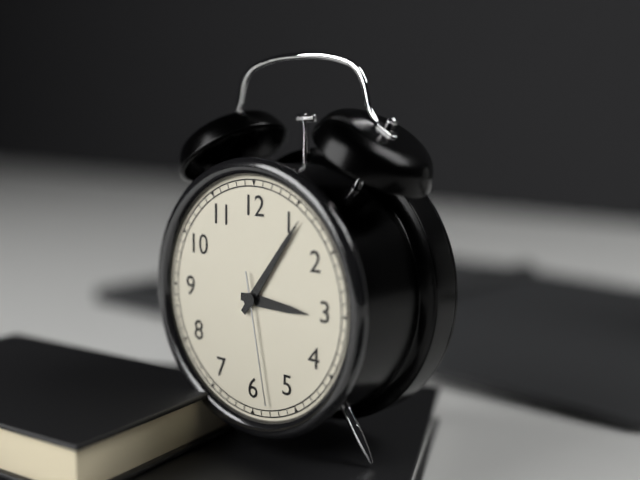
h=3 m=6 s=28
